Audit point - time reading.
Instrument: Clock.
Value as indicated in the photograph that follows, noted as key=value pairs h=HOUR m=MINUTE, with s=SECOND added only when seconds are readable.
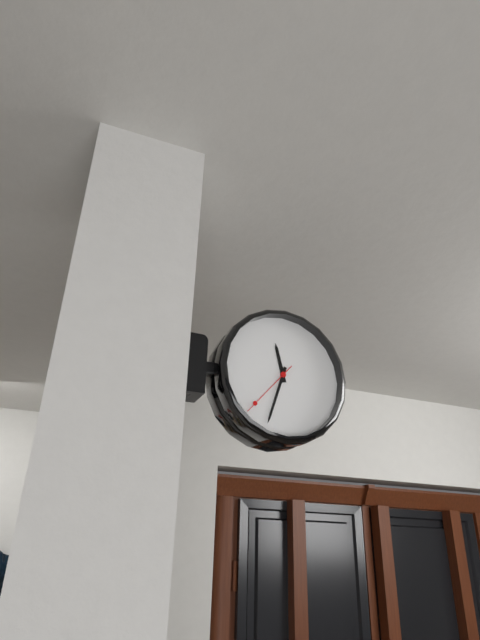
h=11 m=33 s=37
